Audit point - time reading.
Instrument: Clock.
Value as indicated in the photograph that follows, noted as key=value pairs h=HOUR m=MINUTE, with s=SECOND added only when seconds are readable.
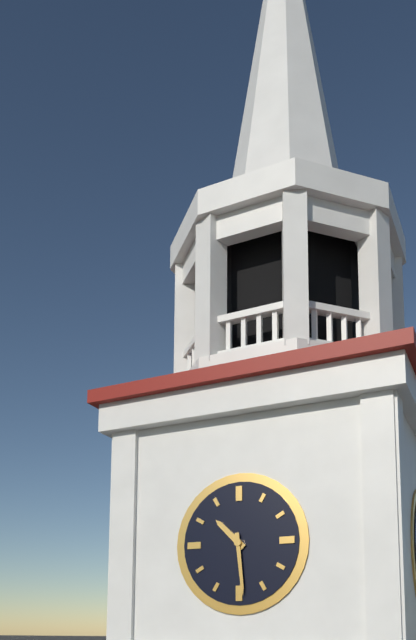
h=10 m=29
